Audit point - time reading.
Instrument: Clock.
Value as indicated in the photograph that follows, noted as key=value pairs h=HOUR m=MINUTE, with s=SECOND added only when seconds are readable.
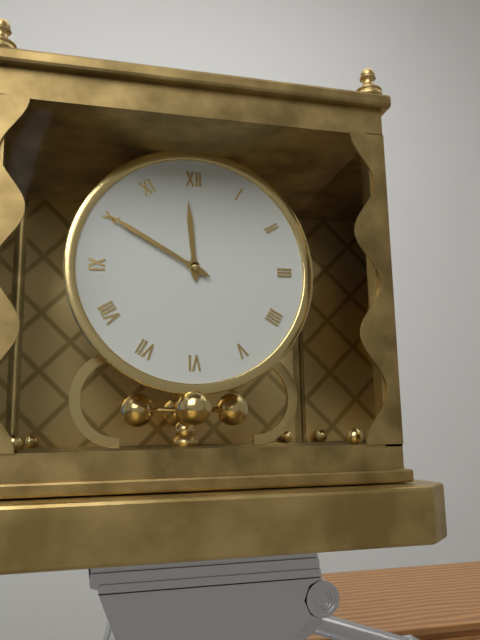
h=11 m=50
